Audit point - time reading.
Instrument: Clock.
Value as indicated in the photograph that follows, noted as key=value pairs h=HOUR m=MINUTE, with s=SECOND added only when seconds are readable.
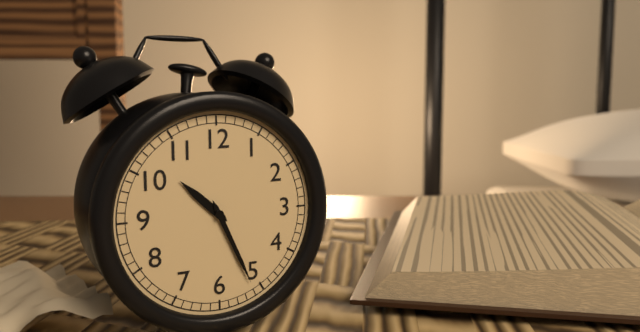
h=10 m=26
